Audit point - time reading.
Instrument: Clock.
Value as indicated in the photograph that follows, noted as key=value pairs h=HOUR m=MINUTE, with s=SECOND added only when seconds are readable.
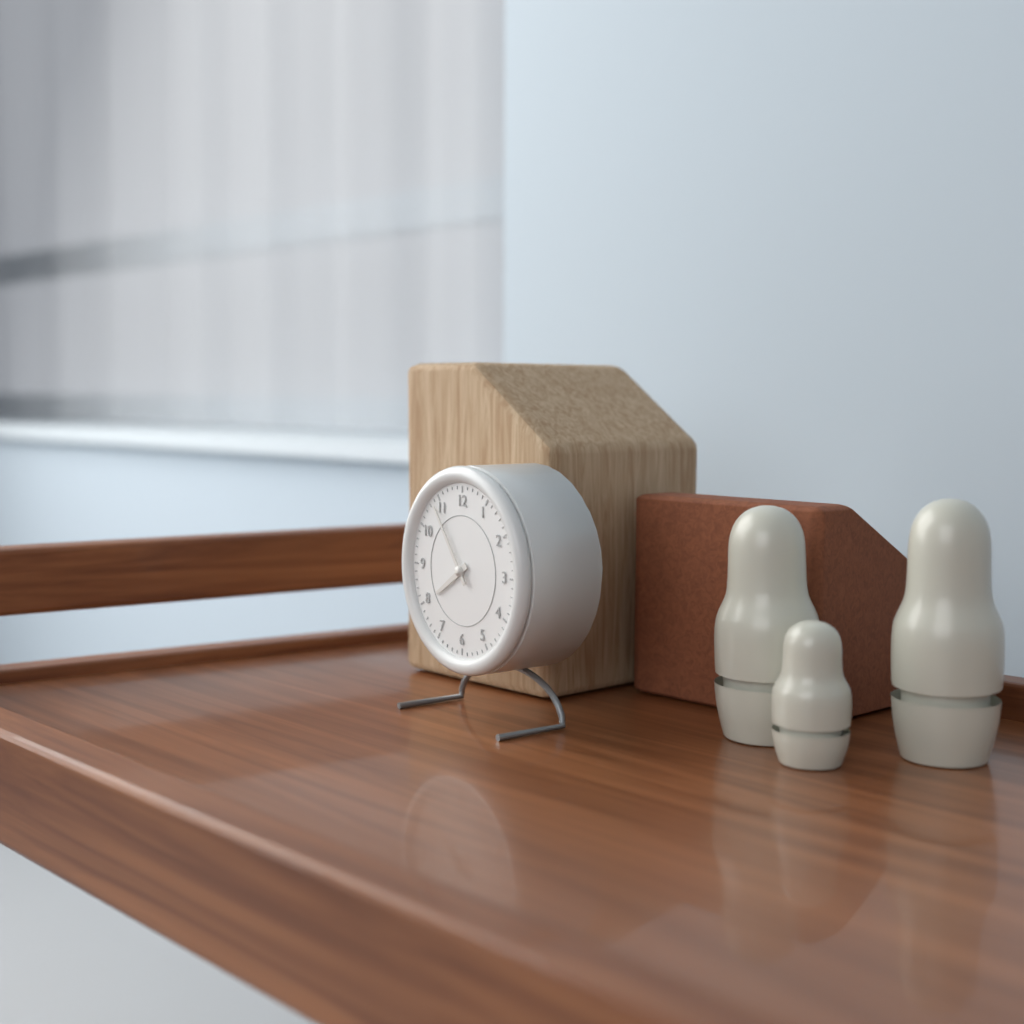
h=7 m=54
